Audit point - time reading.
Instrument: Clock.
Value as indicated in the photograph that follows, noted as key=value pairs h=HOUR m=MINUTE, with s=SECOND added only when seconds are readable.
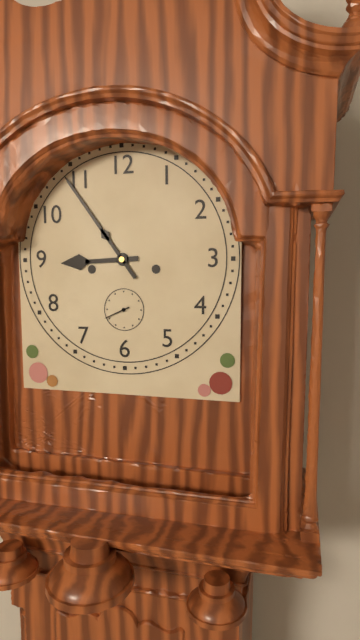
h=8 m=54
